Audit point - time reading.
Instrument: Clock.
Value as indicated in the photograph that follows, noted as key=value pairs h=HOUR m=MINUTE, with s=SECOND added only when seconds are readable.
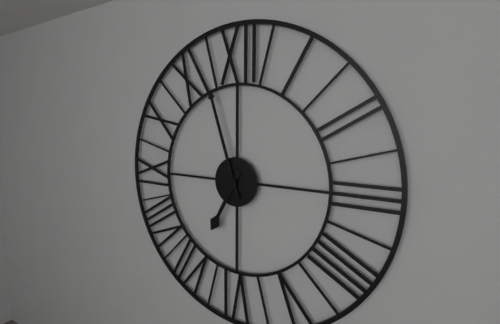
h=6 m=57
